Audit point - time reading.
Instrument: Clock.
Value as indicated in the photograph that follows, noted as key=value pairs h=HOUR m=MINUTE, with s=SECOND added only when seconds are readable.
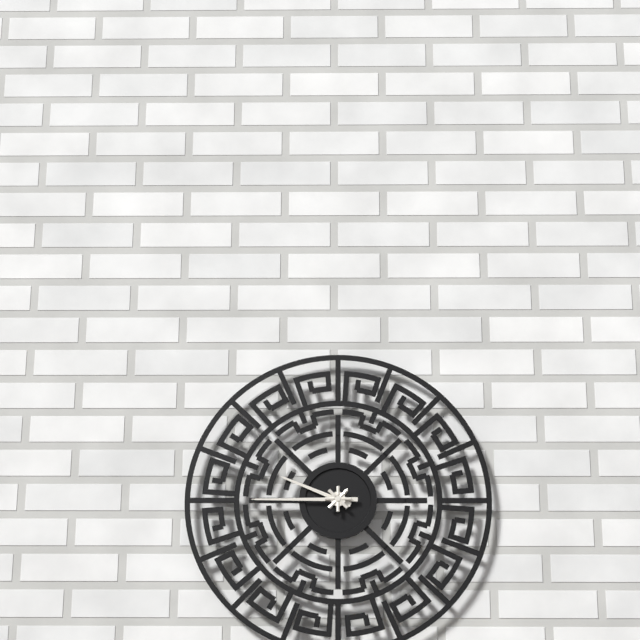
h=9 m=45
